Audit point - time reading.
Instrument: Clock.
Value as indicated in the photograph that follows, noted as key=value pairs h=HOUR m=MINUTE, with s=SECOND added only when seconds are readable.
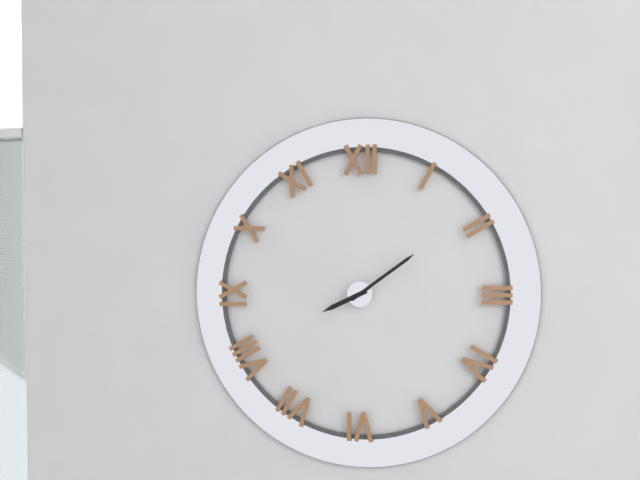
h=8 m=9
